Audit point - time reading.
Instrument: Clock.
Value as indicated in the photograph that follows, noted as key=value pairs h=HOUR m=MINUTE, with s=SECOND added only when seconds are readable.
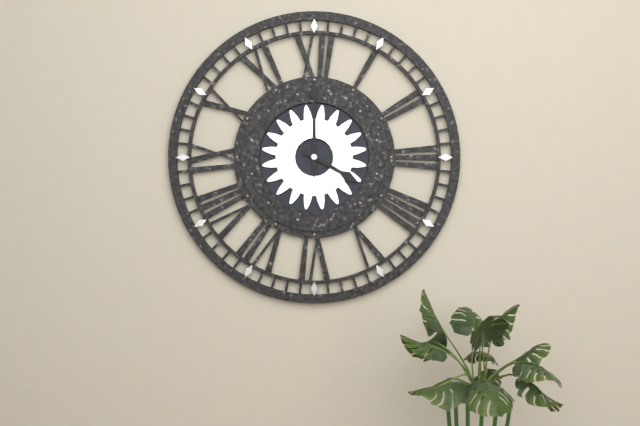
h=4 m=0
